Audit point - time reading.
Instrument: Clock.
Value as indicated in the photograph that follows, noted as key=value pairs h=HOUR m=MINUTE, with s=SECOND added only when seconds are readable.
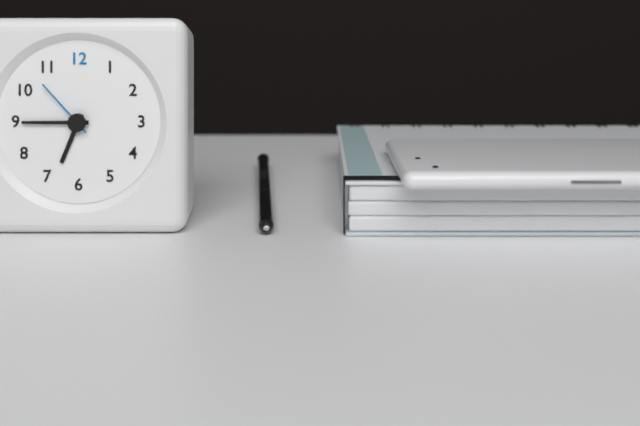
h=6 m=45 s=53
